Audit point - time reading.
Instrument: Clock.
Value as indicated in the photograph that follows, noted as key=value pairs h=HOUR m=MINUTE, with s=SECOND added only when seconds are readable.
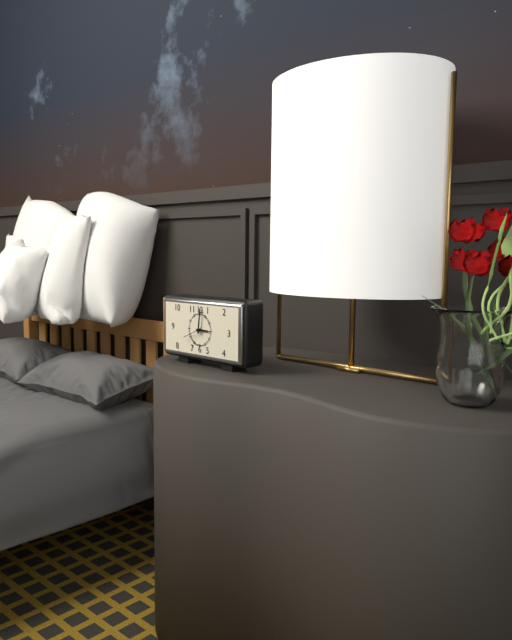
h=3 m=1
